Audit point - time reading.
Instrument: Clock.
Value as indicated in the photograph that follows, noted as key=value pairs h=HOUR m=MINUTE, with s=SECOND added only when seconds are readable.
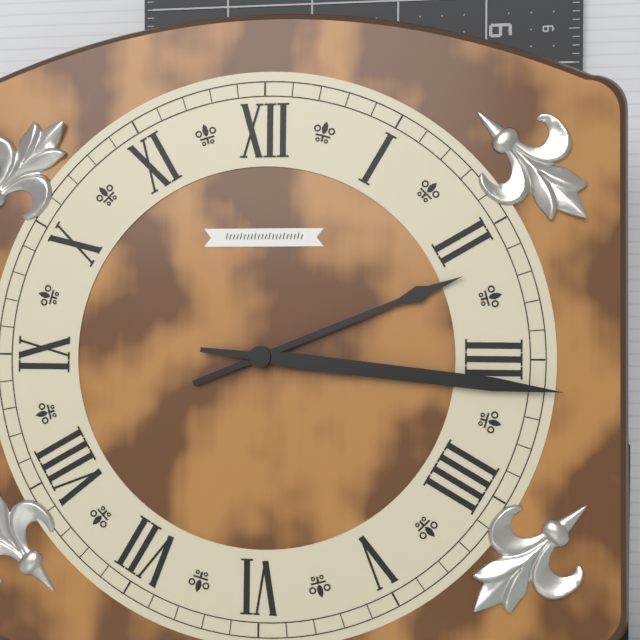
h=2 m=16
